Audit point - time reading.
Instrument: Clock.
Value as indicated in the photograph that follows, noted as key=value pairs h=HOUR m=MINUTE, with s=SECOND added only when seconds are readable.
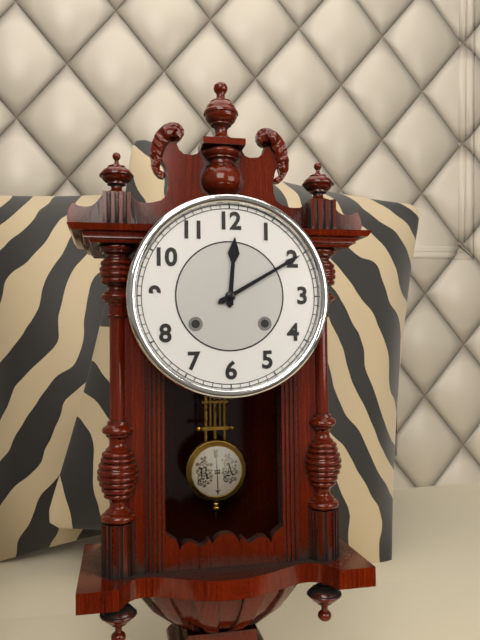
h=12 m=10
